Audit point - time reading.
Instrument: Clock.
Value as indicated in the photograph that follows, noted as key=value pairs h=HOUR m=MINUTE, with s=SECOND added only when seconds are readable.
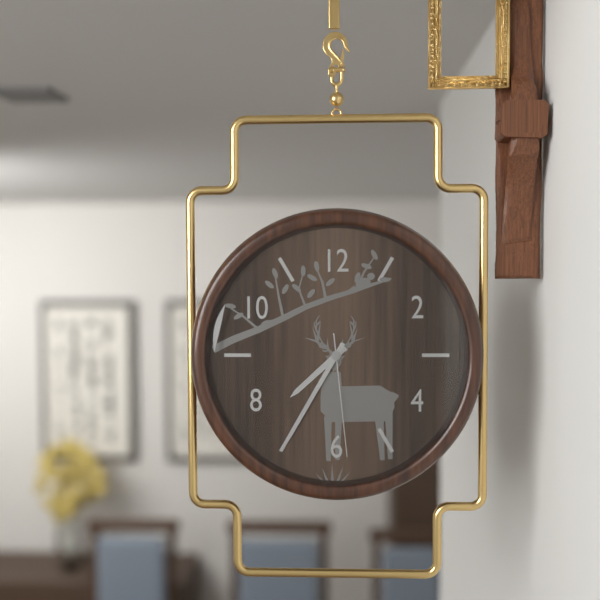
h=7 m=35 s=29
